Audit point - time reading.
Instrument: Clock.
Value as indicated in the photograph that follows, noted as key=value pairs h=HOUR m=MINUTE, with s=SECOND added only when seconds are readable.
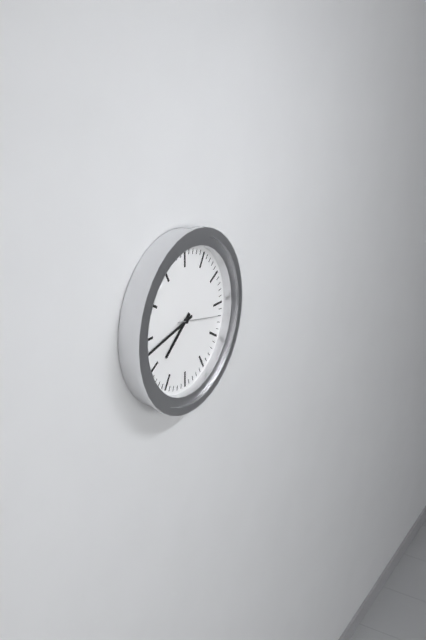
h=7 m=43
